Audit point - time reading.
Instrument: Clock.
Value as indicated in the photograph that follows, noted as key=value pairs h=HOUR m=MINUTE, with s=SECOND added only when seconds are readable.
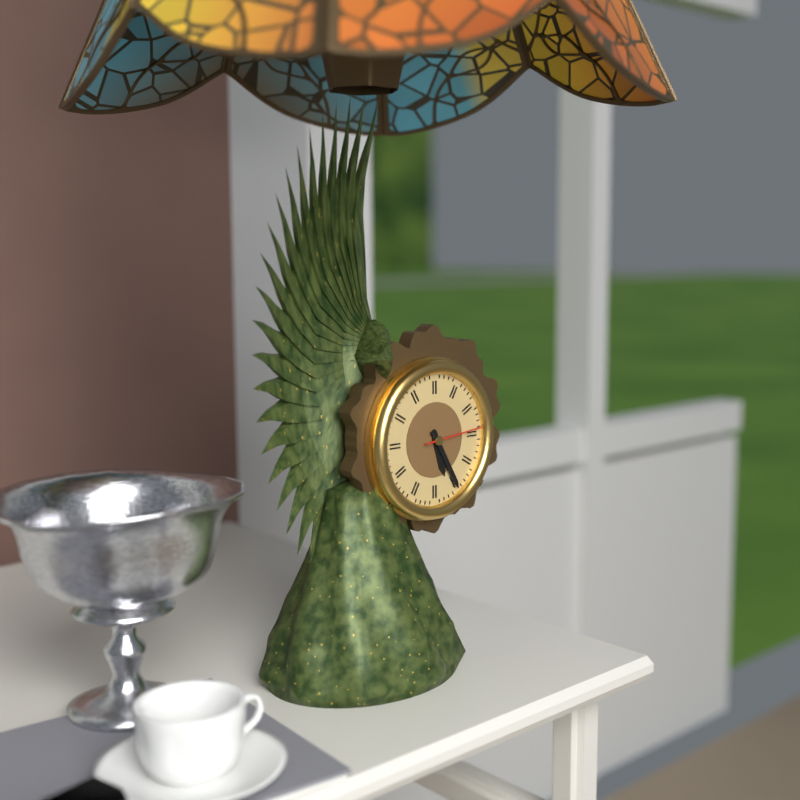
h=5 m=25 s=14
